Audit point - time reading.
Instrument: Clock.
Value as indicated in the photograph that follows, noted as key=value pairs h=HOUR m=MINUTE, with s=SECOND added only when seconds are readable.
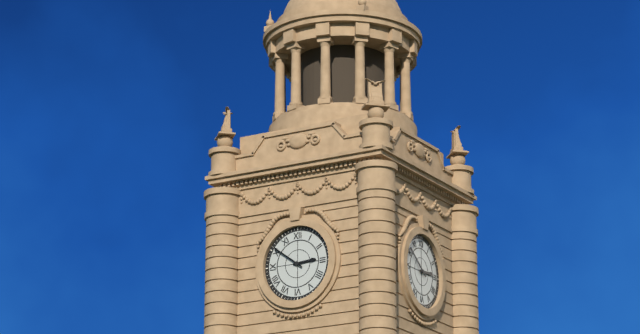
h=2 m=51
